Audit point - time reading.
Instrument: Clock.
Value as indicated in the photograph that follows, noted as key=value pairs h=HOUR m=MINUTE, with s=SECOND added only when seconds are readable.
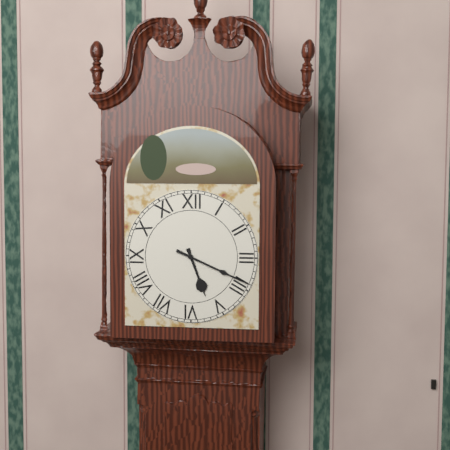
h=5 m=19
